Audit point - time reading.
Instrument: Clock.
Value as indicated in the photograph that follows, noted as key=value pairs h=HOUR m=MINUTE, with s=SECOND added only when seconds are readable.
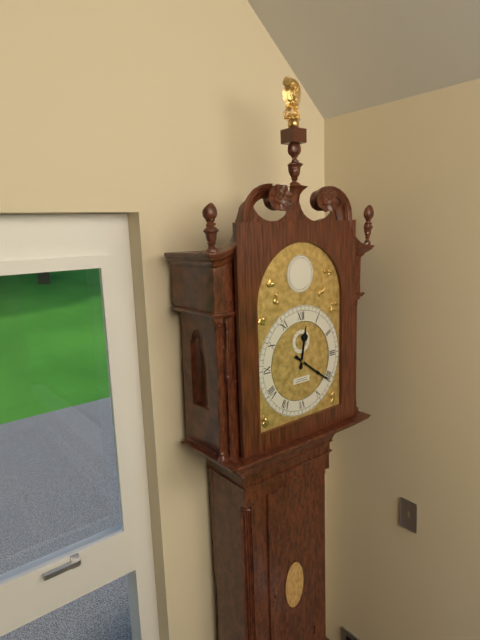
h=12 m=21
